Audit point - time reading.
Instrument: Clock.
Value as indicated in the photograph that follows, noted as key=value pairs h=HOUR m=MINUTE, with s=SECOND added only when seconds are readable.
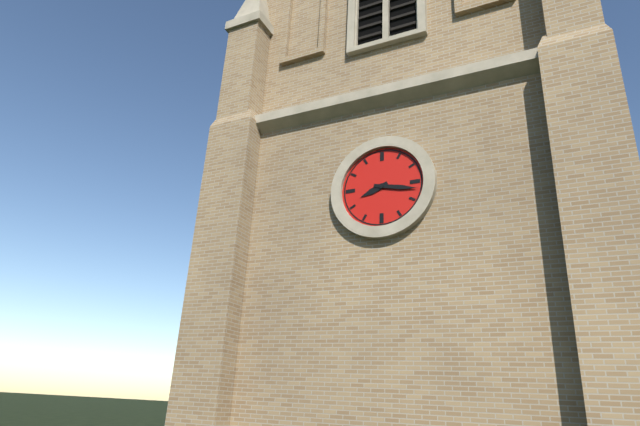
h=8 m=17
